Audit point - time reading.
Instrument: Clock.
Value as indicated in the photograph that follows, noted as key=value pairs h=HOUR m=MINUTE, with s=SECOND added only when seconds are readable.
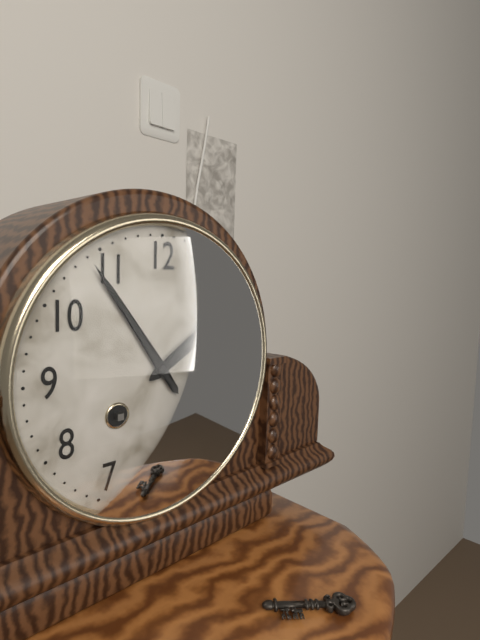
h=1 m=54
